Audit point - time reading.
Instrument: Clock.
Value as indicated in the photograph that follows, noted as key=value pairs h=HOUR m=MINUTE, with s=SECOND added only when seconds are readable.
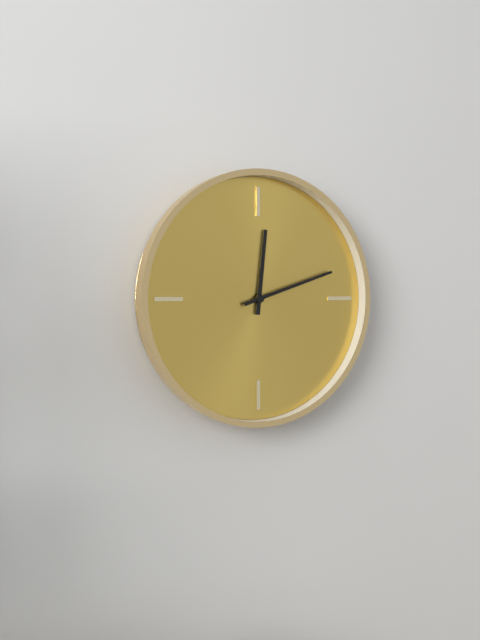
h=12 m=12
